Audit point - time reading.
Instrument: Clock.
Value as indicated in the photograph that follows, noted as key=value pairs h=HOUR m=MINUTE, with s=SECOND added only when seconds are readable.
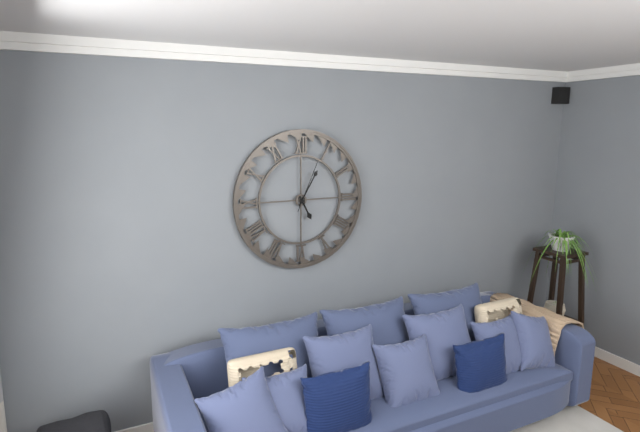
h=5 m=5 s=4
